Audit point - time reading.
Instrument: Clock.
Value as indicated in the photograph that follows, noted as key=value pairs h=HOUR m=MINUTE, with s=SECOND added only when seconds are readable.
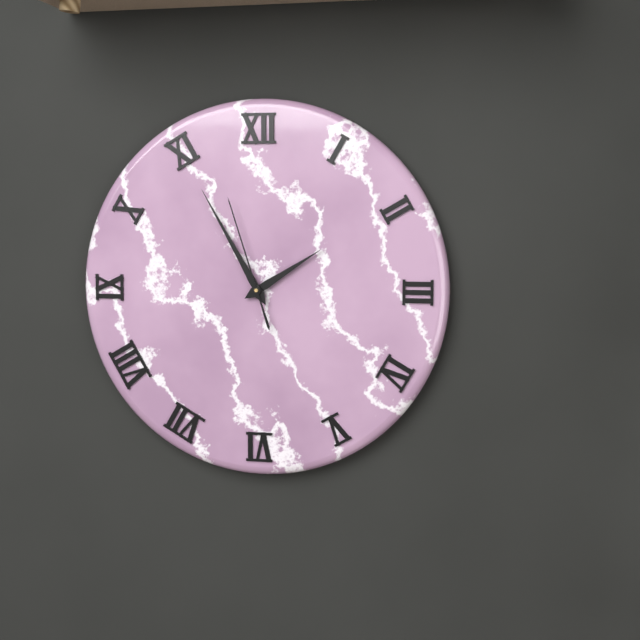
h=1 m=55 s=57
